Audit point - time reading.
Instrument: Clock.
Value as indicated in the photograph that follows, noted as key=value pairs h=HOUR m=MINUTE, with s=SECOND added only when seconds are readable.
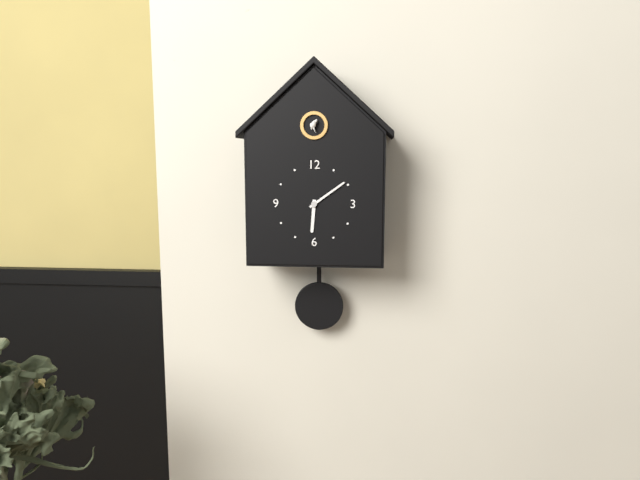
h=6 m=9
